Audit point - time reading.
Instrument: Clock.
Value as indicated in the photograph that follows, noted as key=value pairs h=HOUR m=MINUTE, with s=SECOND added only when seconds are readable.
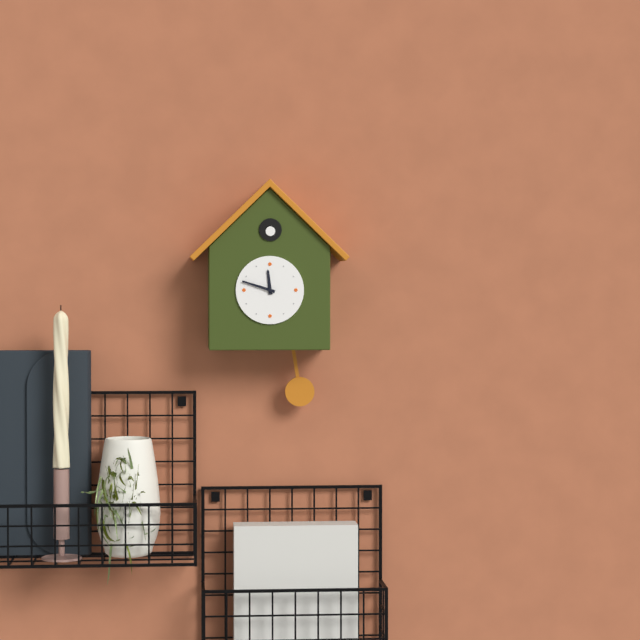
h=11 m=48
